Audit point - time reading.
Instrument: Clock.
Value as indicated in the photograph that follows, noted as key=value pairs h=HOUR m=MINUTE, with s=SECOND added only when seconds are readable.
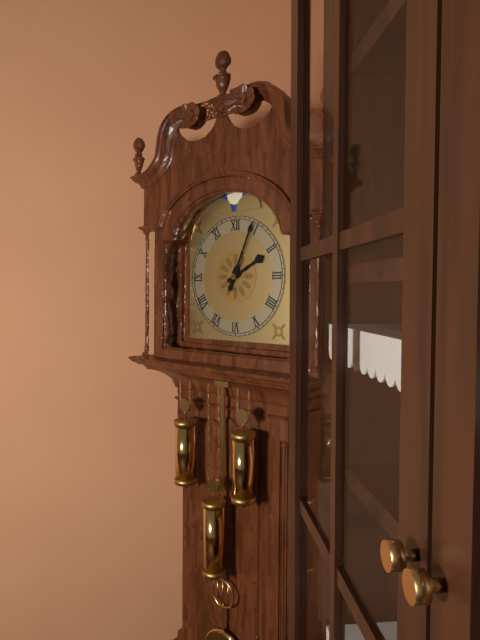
h=2 m=4
